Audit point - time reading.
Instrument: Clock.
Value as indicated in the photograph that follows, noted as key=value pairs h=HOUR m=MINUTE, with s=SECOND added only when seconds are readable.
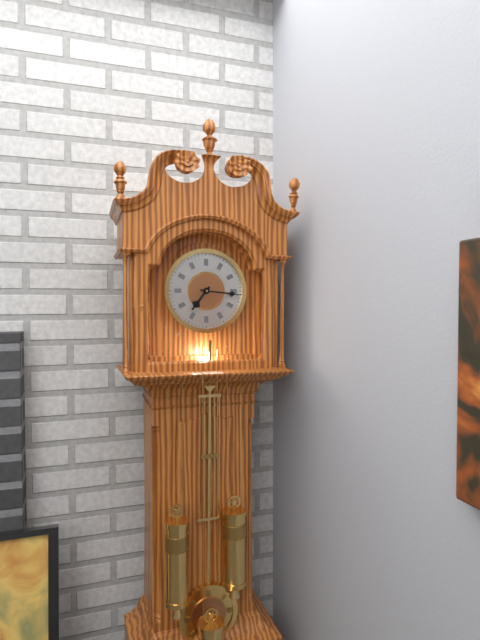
h=7 m=16
